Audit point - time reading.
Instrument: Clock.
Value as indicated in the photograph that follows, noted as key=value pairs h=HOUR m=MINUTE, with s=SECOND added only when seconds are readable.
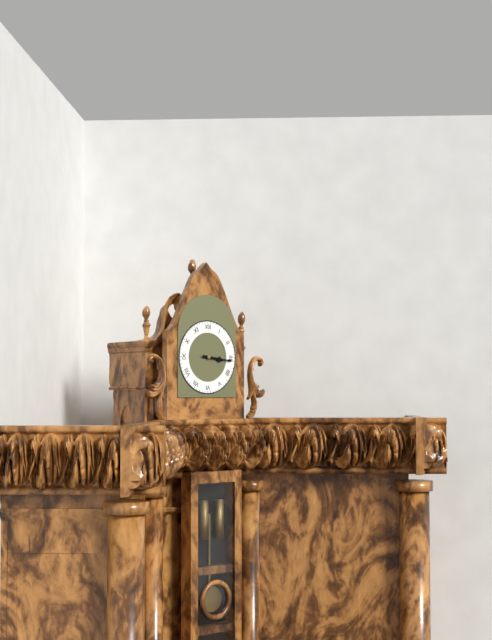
h=3 m=16
